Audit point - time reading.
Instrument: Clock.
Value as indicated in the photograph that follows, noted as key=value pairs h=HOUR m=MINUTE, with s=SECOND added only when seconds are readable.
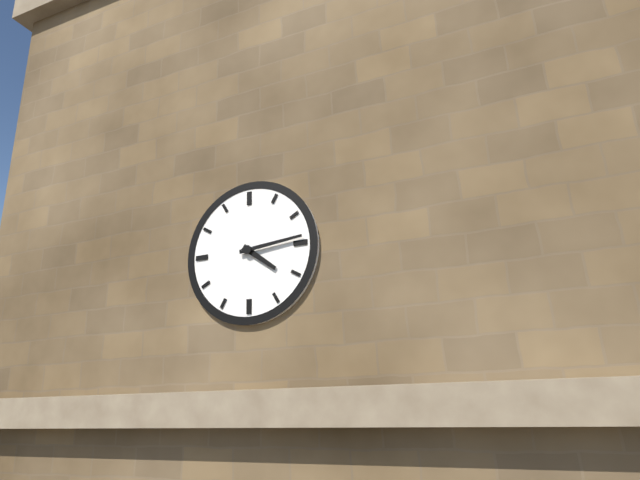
h=4 m=14
